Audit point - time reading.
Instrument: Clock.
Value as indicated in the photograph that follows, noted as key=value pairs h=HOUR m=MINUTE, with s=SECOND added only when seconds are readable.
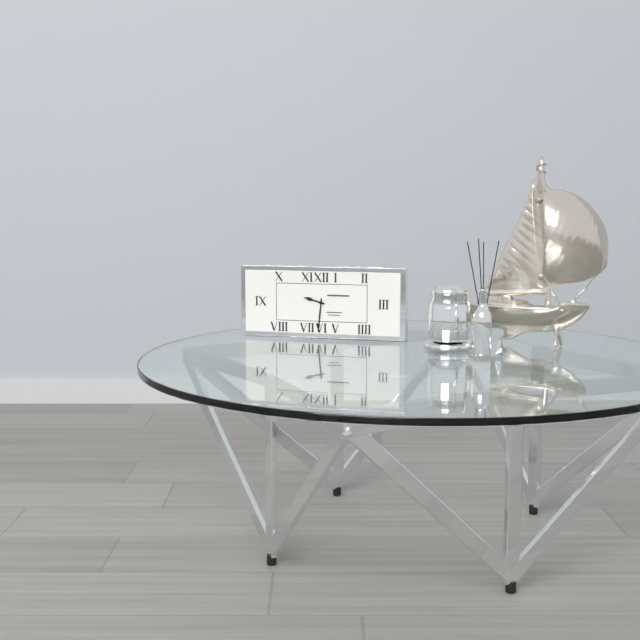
h=9 m=31
